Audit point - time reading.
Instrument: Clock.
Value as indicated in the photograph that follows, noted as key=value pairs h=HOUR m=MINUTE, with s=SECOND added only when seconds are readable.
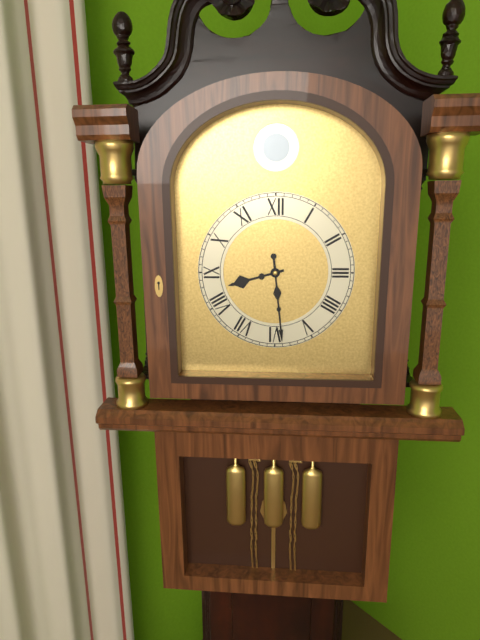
h=8 m=29
